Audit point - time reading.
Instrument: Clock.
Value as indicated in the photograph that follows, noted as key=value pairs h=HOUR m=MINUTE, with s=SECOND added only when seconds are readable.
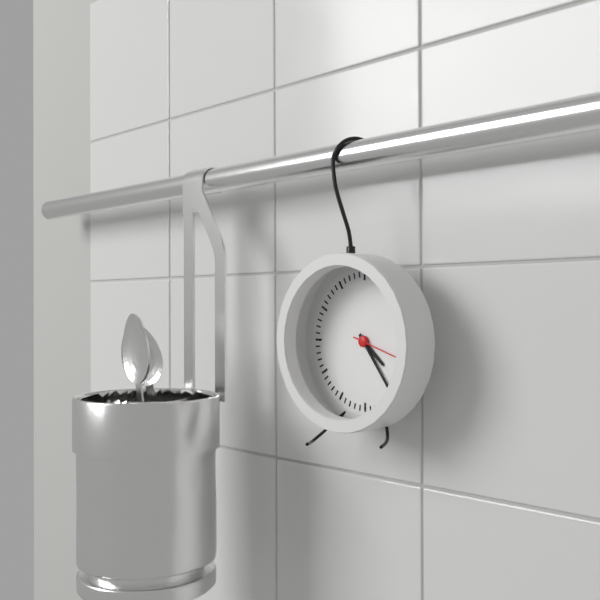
h=4 m=24
